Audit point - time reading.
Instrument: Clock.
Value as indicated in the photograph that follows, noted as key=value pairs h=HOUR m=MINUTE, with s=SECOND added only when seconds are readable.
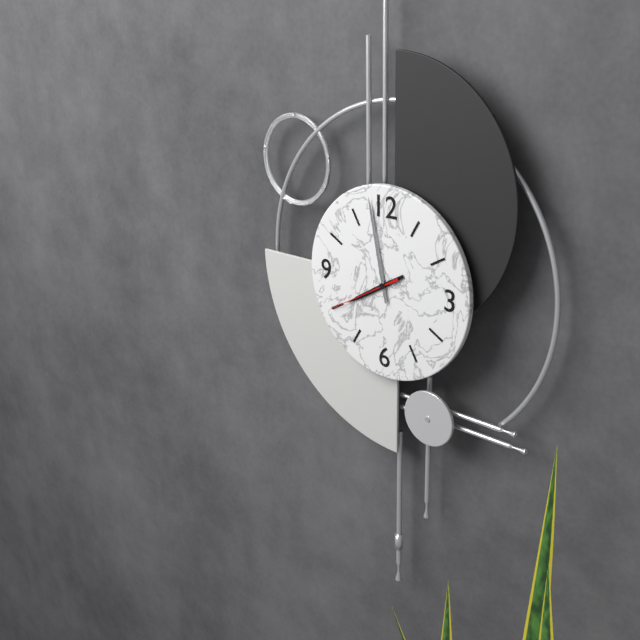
h=7 m=58 s=40
